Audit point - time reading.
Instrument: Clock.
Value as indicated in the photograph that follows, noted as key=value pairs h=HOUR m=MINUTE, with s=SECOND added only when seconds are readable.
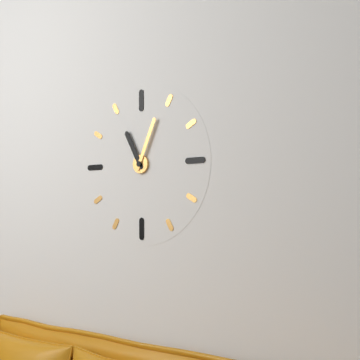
h=11 m=4
